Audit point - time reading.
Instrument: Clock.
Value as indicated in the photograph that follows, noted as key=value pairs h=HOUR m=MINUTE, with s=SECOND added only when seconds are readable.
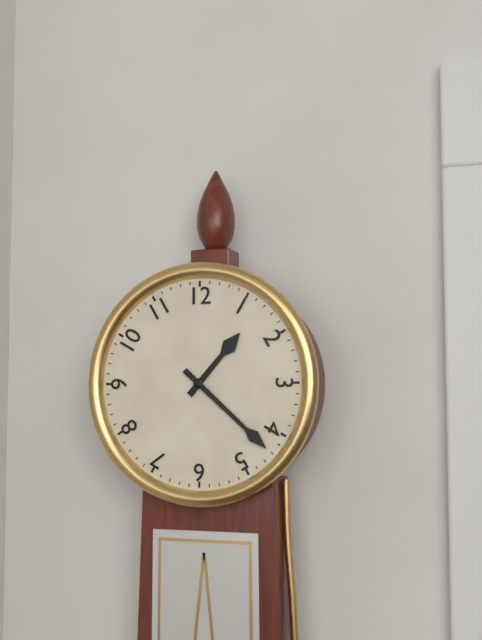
h=1 m=22
